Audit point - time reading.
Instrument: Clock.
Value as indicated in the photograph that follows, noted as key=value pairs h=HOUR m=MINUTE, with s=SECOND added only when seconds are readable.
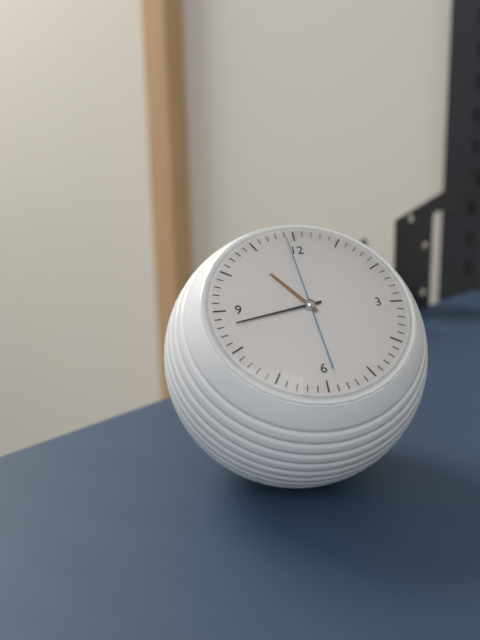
h=10 m=43 s=59
